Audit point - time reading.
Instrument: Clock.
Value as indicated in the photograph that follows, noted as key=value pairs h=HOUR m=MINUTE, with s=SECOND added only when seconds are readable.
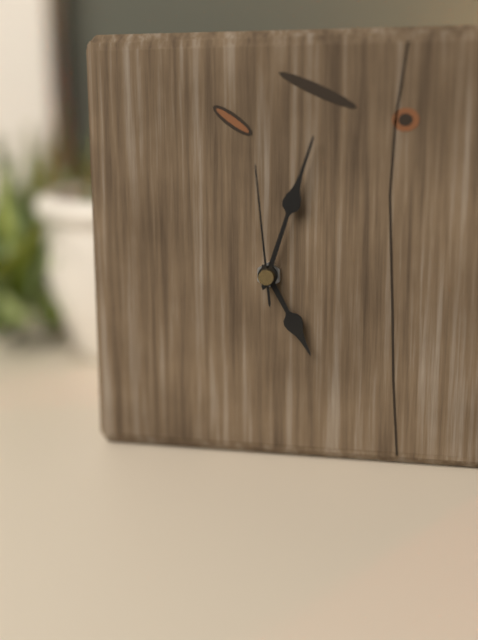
h=5 m=3 s=59
